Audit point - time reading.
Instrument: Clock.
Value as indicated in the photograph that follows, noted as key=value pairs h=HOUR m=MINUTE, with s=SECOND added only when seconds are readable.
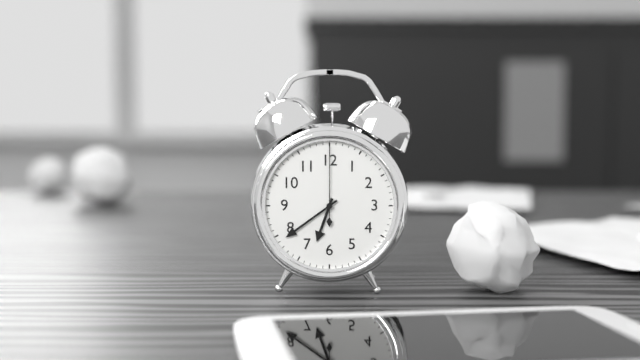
h=6 m=39 s=0
